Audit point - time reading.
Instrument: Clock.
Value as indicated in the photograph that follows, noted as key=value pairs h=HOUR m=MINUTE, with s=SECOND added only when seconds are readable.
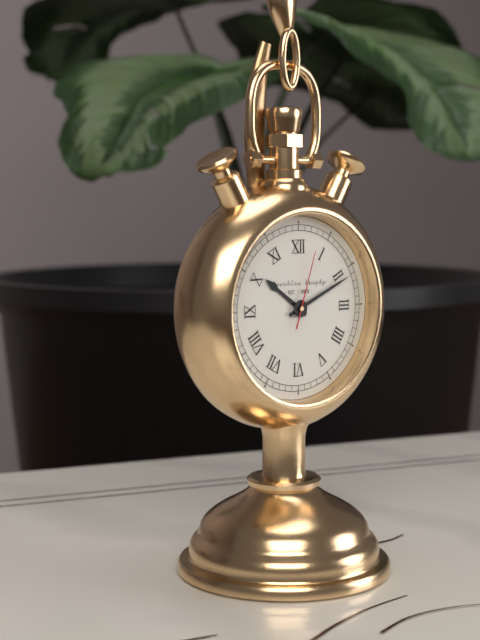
h=10 m=11 s=3
